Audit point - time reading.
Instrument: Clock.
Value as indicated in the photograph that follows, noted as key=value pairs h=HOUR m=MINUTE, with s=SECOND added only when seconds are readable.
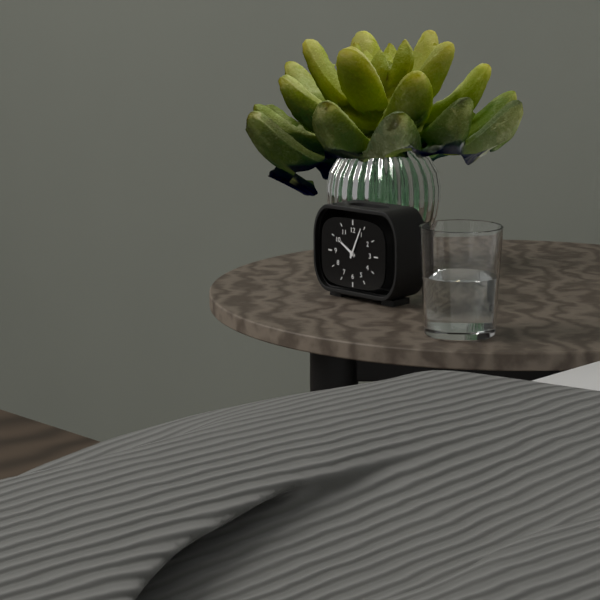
h=10 m=4
